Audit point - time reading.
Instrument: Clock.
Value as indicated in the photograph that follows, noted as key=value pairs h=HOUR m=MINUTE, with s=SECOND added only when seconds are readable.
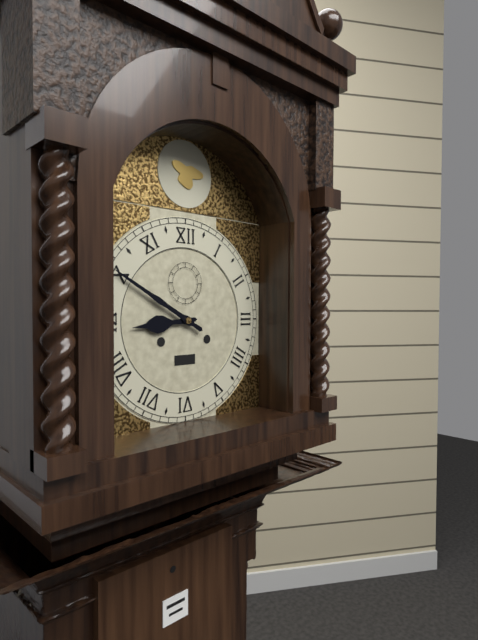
h=8 m=50
